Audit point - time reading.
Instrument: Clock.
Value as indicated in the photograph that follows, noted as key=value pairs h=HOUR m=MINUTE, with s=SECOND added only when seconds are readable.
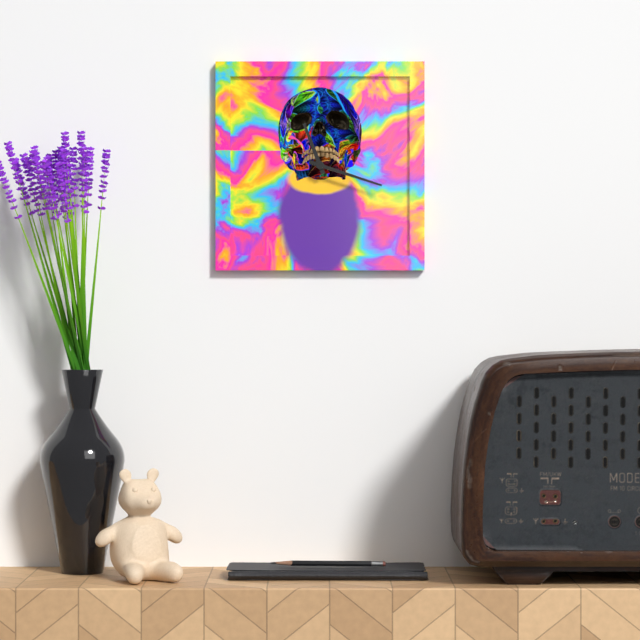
h=11 m=18
